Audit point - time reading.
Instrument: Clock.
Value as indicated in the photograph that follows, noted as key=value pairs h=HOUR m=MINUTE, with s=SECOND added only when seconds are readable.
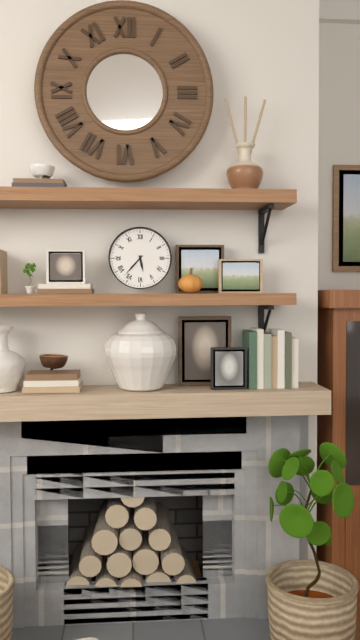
h=5 m=37
